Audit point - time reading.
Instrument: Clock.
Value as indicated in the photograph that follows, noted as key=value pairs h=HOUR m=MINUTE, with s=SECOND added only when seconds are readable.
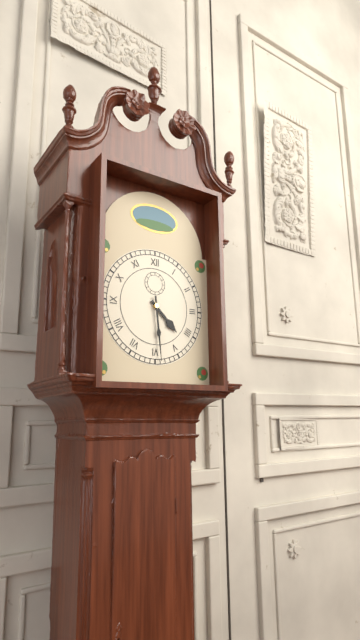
h=4 m=29
